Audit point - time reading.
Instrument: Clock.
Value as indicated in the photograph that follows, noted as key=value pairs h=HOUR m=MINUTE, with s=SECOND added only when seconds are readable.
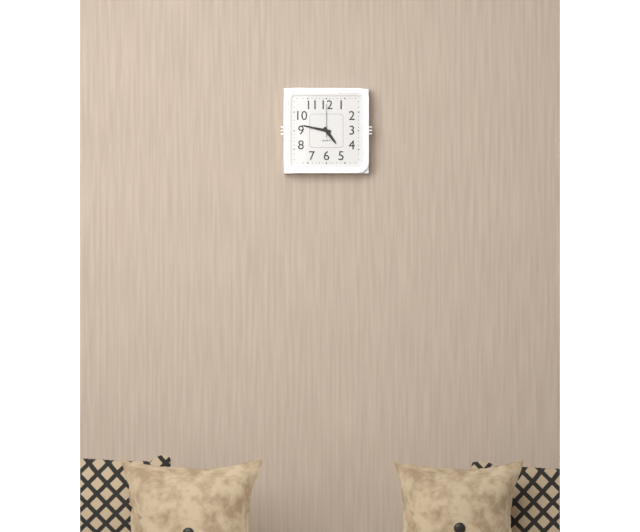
h=4 m=47
